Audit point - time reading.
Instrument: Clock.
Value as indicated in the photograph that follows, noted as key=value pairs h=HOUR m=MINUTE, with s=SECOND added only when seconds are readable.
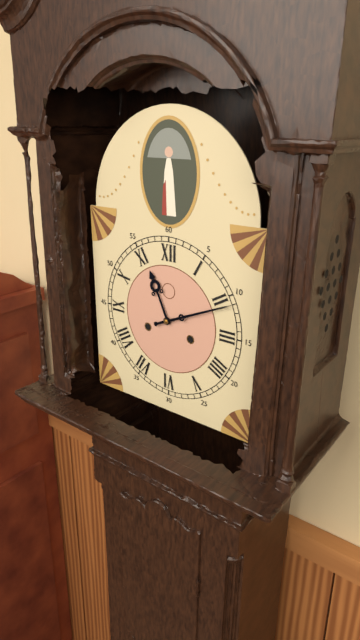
h=11 m=11
